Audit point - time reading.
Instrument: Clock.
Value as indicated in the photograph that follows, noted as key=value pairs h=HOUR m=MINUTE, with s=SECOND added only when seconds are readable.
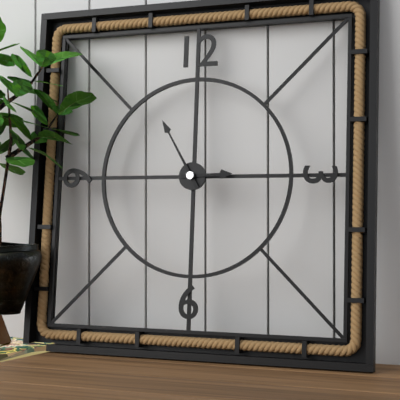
h=2 m=55
